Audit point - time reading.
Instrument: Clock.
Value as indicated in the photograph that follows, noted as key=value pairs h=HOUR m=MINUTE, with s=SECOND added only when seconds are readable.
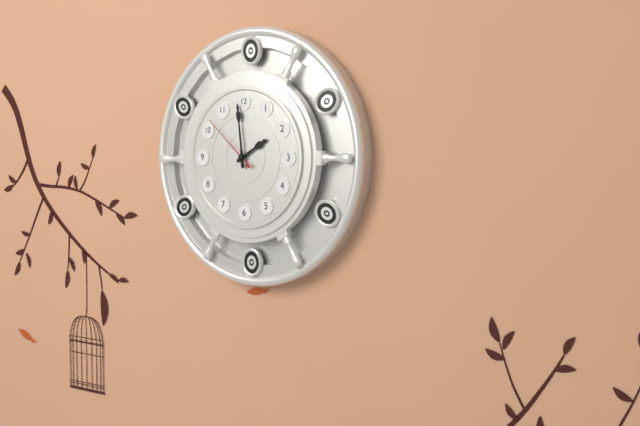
h=1 m=59 s=52
